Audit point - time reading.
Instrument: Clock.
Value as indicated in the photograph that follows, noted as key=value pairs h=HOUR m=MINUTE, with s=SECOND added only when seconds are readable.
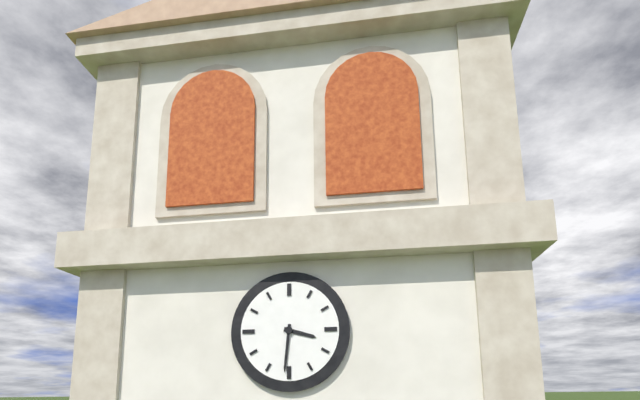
h=3 m=31
